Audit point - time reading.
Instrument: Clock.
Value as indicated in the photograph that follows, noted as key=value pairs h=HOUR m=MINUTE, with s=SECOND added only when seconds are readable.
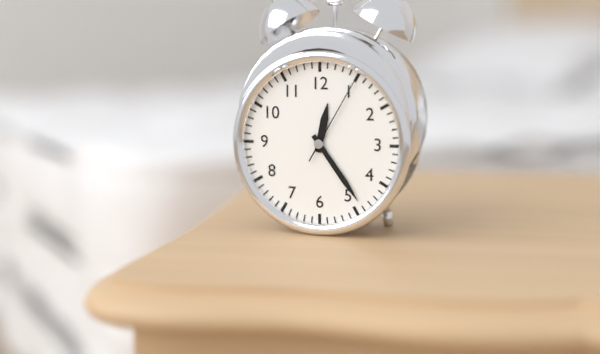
h=12 m=24 s=5
